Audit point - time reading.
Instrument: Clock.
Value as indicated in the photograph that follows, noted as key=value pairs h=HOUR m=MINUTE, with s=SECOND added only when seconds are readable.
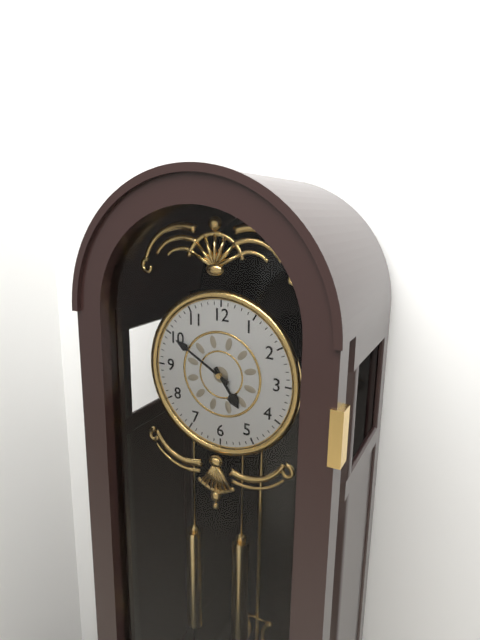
h=4 m=50
